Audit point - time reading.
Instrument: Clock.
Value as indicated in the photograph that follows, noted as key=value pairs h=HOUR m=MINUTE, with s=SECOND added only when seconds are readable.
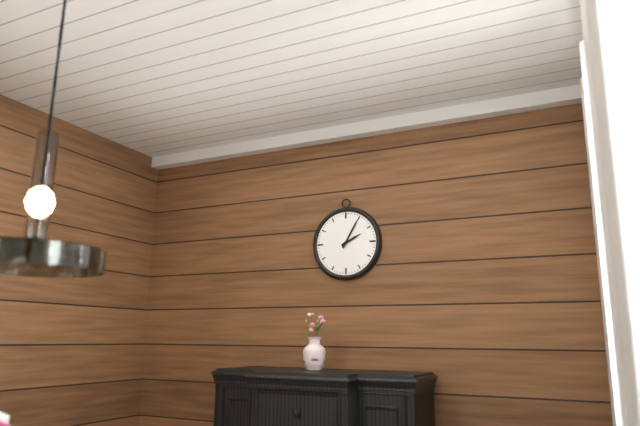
h=2 m=5
